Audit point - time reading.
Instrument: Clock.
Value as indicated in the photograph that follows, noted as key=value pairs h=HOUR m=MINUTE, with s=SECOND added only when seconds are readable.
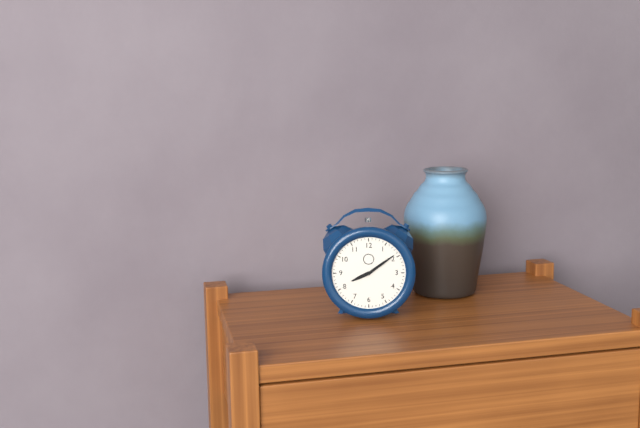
h=8 m=9
